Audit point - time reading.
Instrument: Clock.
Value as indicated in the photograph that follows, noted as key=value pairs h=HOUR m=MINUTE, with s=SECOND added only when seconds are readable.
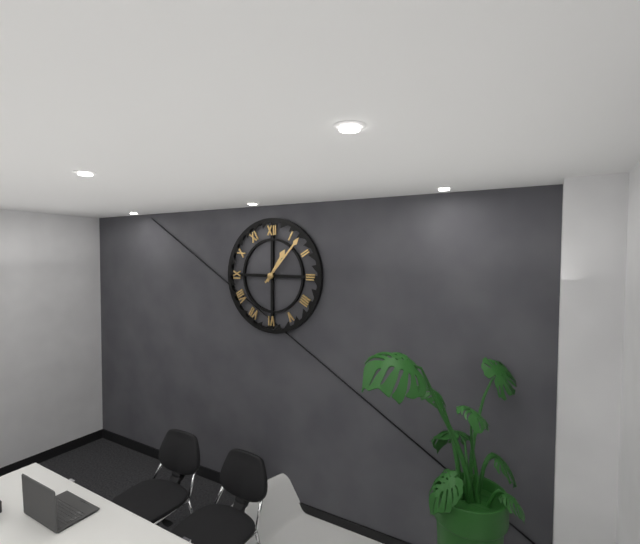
h=1 m=7
